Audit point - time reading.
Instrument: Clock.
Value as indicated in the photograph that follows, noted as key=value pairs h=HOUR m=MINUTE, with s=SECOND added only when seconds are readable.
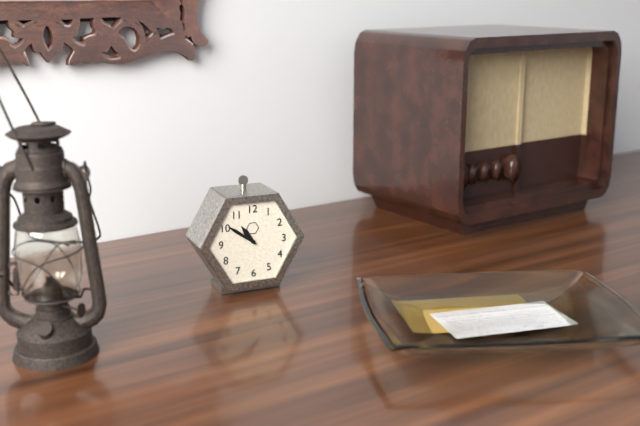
h=10 m=51
